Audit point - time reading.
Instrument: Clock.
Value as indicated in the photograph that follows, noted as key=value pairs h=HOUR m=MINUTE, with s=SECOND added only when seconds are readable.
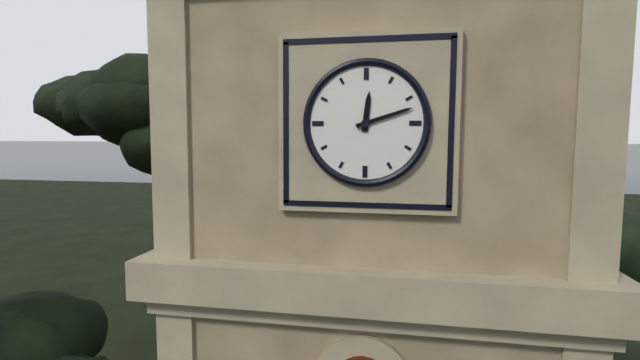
h=12 m=12
